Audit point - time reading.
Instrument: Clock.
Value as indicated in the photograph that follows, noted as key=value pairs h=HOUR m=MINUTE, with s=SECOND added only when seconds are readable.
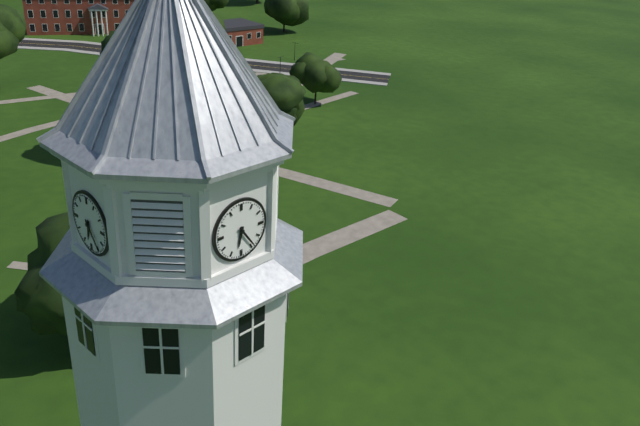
h=6 m=24
